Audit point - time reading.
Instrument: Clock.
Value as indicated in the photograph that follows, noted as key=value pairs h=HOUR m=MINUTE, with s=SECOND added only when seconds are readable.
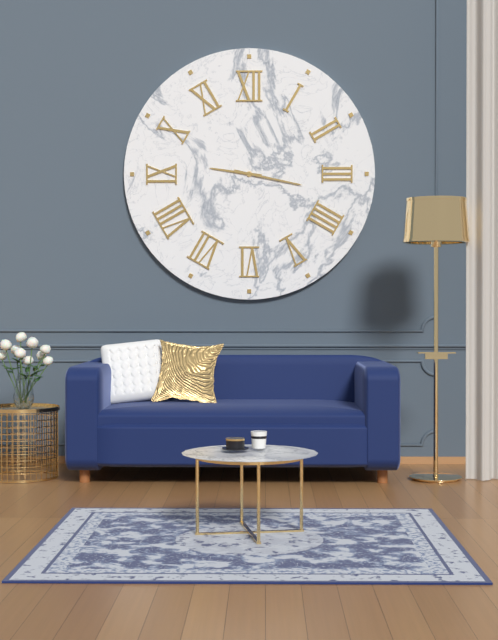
h=9 m=17
